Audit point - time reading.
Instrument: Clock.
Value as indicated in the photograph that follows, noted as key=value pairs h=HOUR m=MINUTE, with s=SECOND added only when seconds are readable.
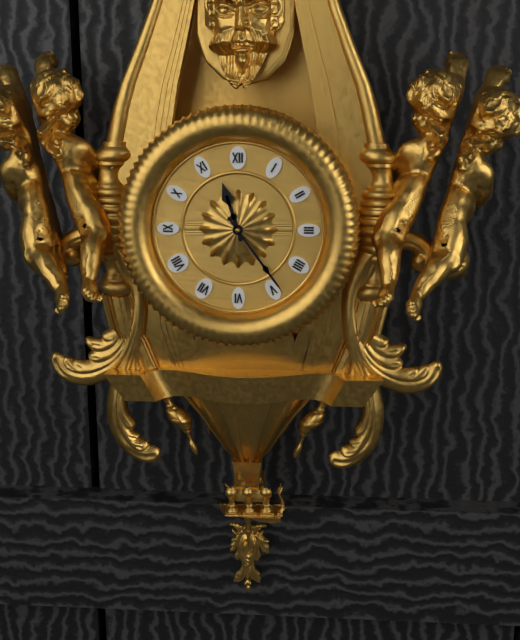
h=11 m=24
